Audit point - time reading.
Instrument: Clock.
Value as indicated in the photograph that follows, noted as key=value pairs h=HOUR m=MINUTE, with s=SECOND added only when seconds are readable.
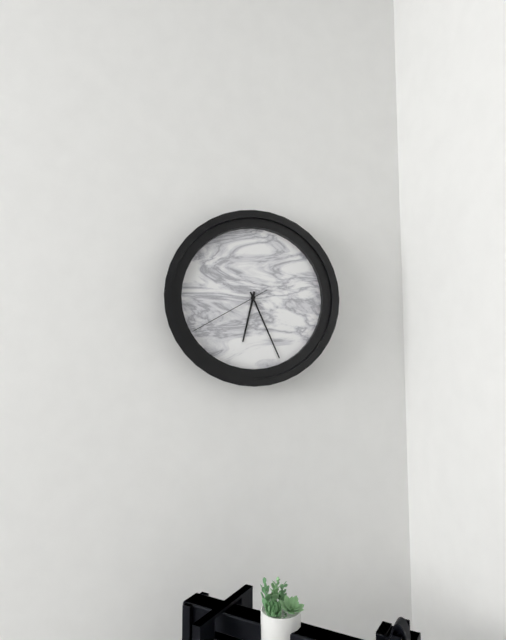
h=6 m=26 s=40
